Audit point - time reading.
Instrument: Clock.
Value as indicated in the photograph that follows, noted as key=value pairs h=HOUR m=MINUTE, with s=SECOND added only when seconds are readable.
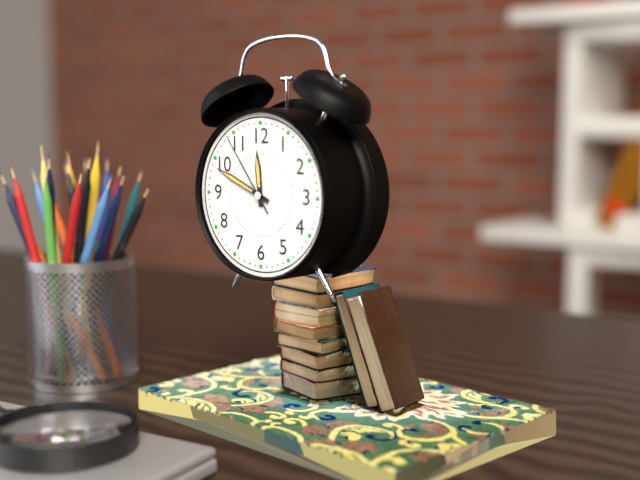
h=11 m=49 s=54
